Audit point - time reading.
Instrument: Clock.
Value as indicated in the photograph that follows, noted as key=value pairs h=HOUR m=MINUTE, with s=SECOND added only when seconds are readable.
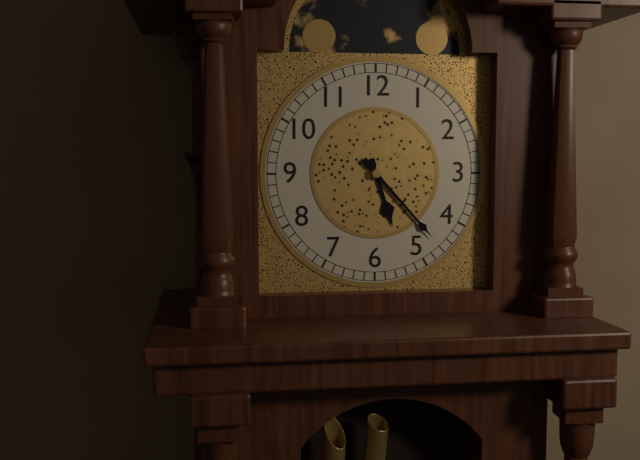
h=5 m=23
